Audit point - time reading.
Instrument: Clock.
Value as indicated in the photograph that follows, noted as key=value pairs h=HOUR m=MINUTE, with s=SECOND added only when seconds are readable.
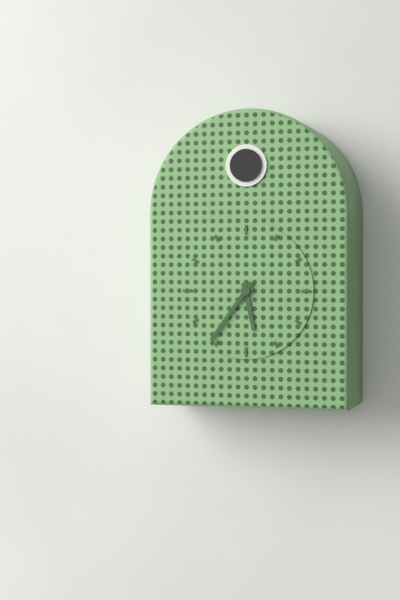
h=5 m=36
